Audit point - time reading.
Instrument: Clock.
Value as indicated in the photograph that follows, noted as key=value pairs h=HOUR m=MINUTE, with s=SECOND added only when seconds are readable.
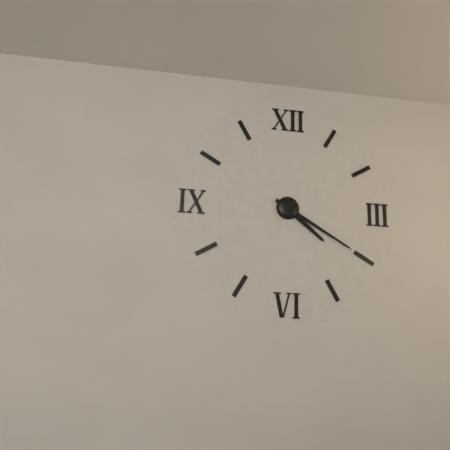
h=4 m=20
